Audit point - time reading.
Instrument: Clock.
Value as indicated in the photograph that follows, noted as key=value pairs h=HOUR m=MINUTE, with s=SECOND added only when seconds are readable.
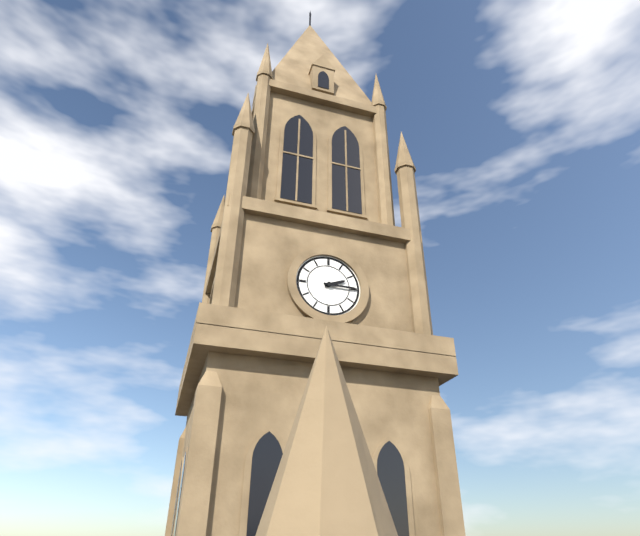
h=2 m=15
